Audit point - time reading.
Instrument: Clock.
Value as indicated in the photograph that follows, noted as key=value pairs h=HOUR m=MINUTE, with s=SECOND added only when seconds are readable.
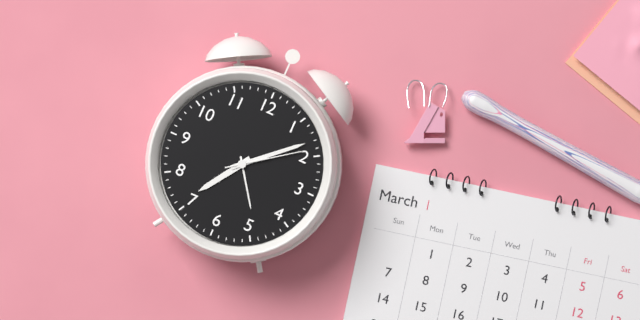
h=7 m=8 s=9
